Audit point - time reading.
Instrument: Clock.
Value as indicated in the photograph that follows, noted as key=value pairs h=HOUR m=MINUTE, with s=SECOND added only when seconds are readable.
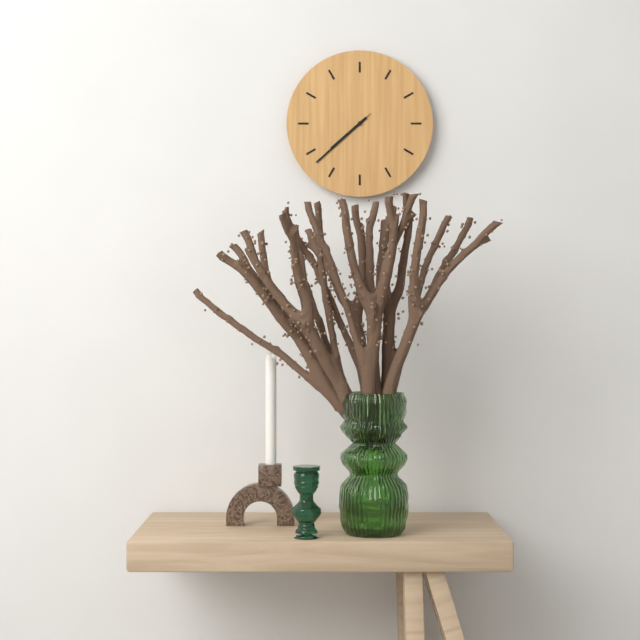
h=7 m=38 s=38
